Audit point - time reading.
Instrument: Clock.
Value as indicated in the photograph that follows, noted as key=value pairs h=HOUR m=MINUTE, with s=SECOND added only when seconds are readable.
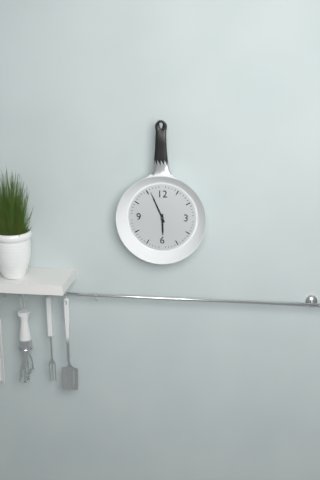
h=5 m=56
